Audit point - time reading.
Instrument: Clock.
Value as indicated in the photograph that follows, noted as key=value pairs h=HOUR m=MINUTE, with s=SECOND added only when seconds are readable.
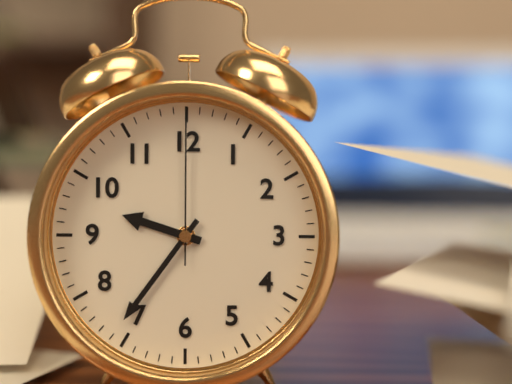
h=9 m=36 s=0
